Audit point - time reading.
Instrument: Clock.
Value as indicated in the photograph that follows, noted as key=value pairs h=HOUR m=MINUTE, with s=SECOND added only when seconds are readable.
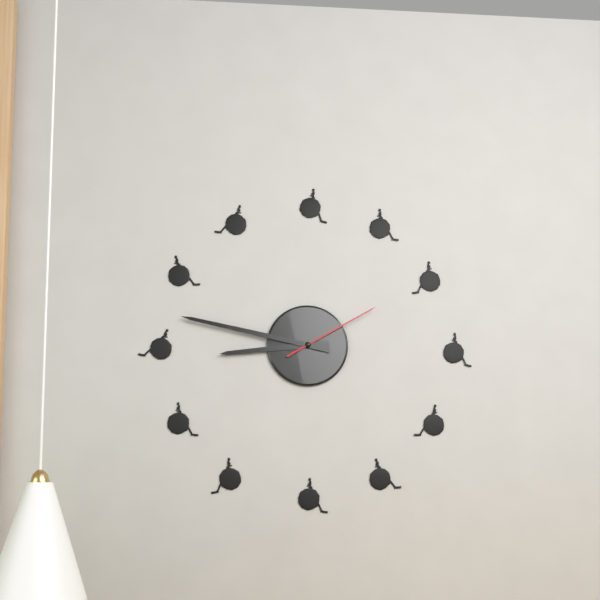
h=8 m=47 s=10
